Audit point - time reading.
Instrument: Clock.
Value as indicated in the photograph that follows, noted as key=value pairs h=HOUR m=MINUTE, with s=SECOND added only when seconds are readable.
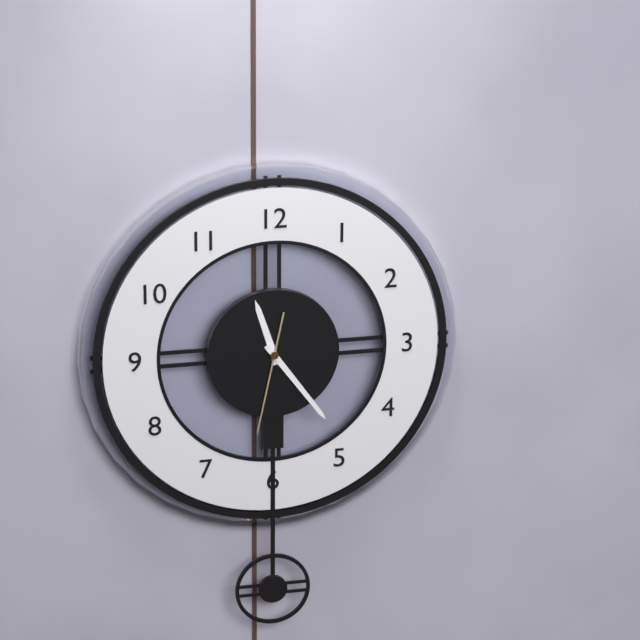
h=11 m=24 s=32
